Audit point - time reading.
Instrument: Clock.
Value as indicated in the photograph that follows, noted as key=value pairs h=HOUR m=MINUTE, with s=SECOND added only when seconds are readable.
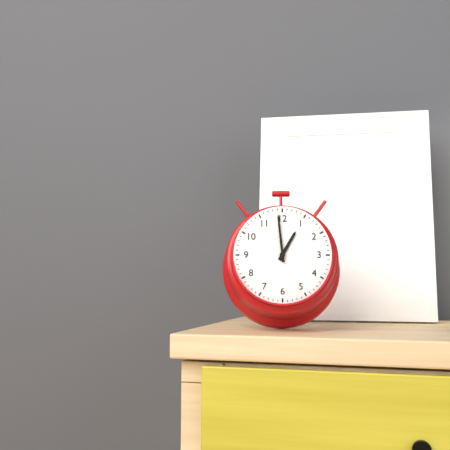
h=12 m=59
